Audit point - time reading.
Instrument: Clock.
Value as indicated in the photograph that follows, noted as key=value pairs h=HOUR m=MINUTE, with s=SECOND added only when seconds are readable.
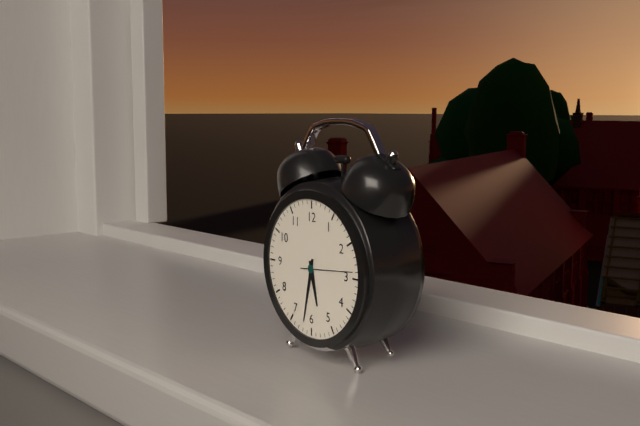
h=5 m=32 s=14
